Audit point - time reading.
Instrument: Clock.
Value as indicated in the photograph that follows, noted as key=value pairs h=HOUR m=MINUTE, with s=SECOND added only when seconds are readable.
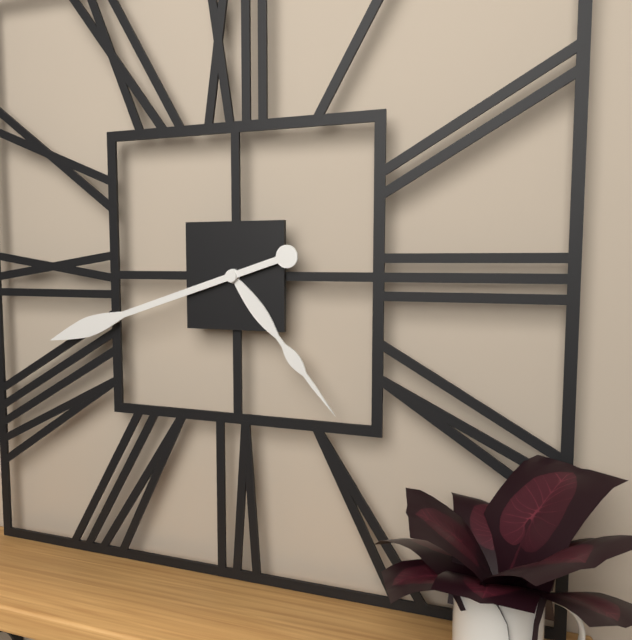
h=4 m=42
